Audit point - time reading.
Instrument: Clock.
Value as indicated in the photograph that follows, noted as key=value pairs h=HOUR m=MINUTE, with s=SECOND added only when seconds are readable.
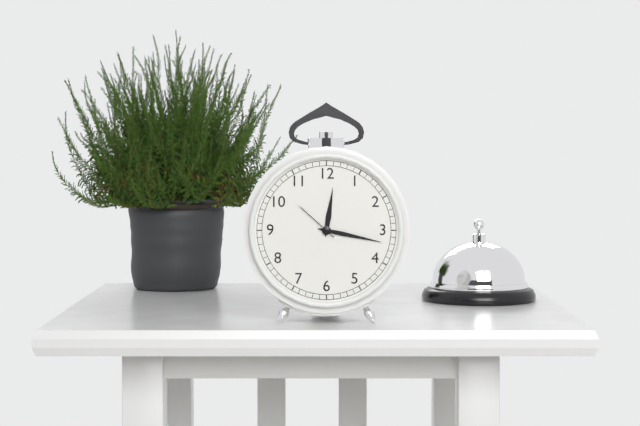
h=12 m=17
